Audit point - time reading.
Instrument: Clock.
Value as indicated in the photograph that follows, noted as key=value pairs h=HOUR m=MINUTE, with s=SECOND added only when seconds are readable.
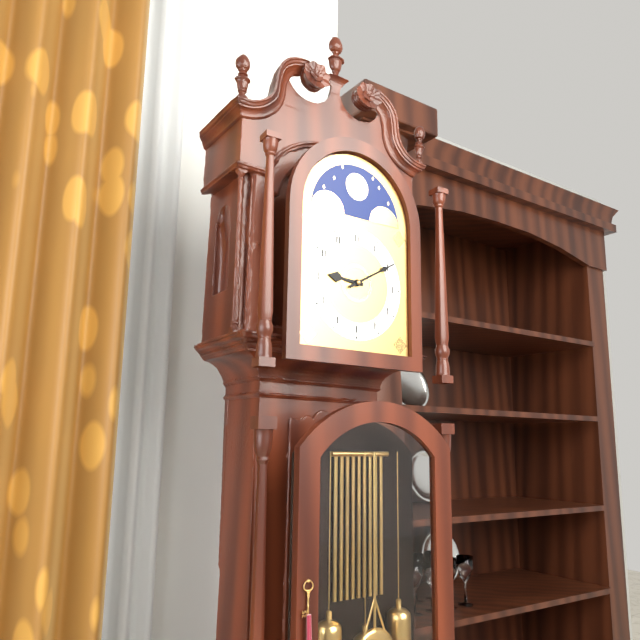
h=9 m=10
